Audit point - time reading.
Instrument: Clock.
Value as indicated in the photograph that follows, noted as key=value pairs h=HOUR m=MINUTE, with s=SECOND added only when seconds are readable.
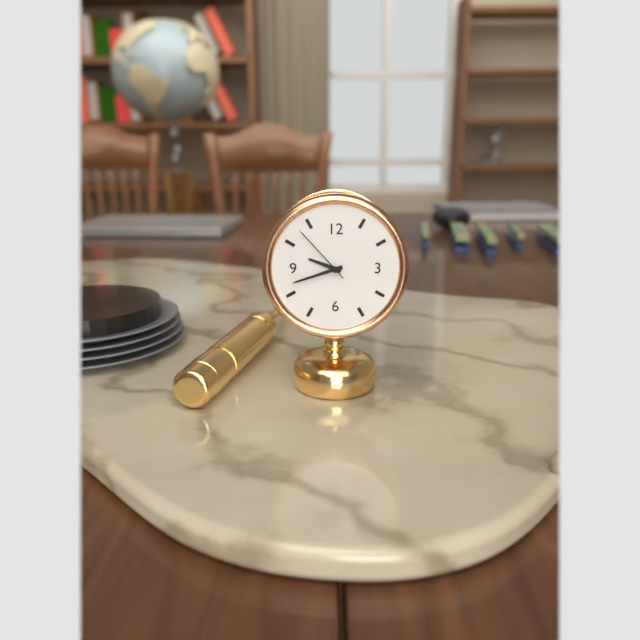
h=9 m=42 s=53
